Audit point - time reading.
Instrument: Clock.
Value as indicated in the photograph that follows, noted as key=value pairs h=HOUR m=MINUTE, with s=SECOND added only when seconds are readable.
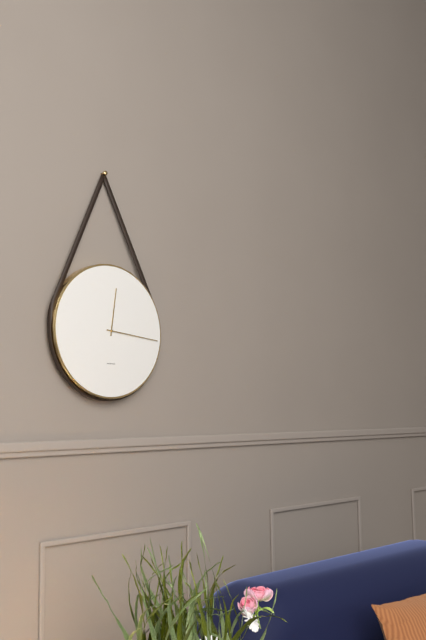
h=12 m=16
